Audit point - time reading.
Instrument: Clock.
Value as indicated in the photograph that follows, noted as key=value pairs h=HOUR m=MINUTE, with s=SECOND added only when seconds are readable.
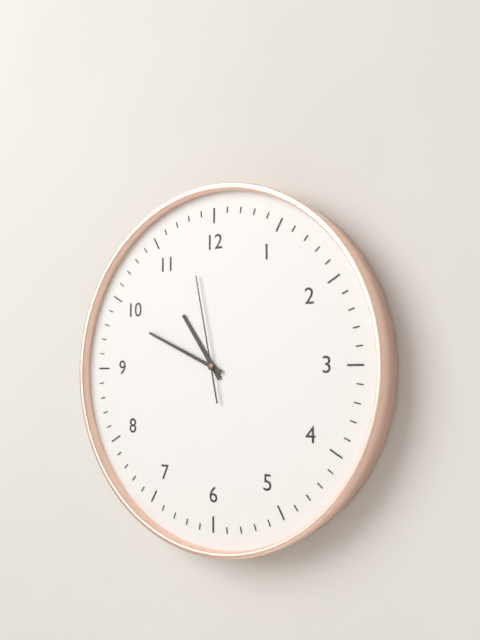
h=10 m=49 s=58
